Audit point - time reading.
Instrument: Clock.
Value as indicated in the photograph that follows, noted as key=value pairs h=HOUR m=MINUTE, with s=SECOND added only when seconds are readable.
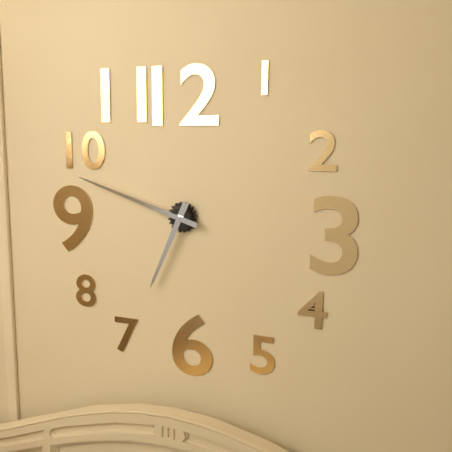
h=6 m=48
